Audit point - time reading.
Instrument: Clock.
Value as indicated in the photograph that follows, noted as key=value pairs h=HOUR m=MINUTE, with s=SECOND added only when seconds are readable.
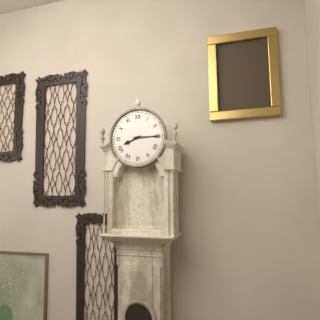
h=8 m=15
